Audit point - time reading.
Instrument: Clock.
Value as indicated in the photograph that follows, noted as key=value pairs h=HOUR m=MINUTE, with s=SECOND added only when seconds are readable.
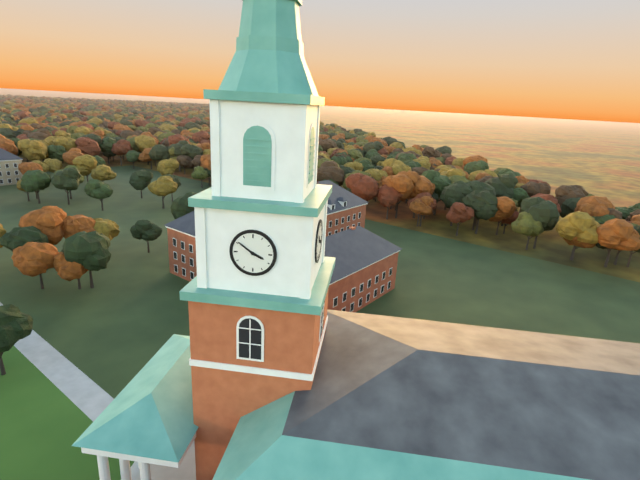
h=3 m=51
